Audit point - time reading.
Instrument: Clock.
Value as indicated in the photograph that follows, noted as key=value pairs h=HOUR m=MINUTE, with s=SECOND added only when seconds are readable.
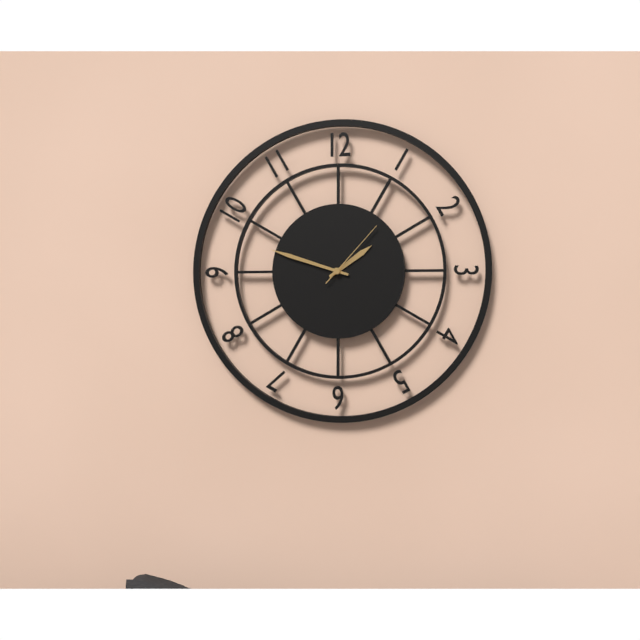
h=1 m=48 s=7
